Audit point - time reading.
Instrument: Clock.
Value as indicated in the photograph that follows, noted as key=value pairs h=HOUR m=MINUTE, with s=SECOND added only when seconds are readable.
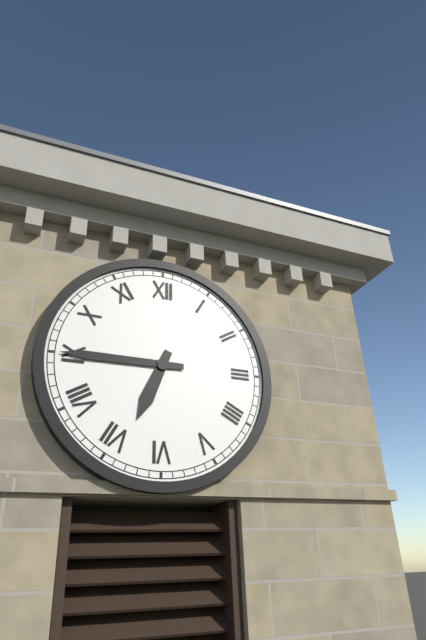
h=6 m=45
